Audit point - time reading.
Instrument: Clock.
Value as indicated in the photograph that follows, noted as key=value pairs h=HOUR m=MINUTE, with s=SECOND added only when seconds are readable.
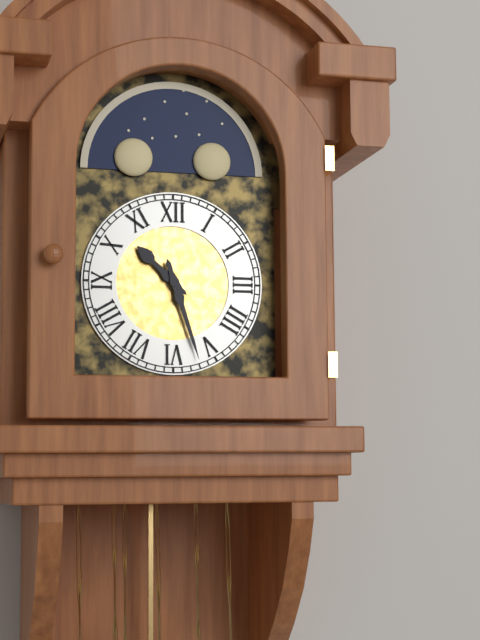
h=10 m=27
